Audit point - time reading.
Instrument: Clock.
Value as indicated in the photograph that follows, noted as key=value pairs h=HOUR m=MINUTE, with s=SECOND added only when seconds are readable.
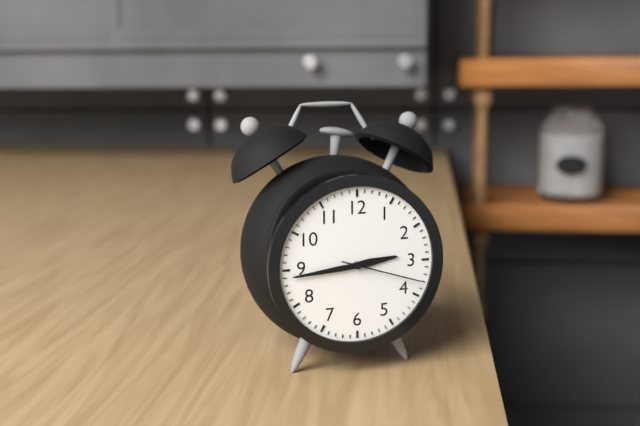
h=2 m=44 s=18
